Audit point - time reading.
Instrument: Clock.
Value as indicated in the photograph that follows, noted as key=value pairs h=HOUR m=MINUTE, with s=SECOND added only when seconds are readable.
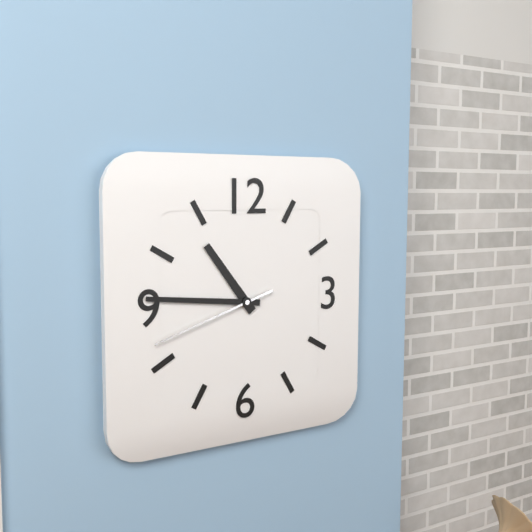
h=10 m=46 s=42
